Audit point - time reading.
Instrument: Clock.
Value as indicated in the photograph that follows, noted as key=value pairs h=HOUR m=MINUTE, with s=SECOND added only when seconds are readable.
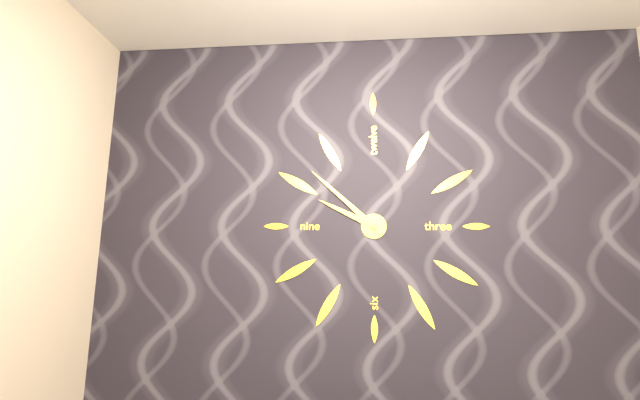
h=9 m=52
